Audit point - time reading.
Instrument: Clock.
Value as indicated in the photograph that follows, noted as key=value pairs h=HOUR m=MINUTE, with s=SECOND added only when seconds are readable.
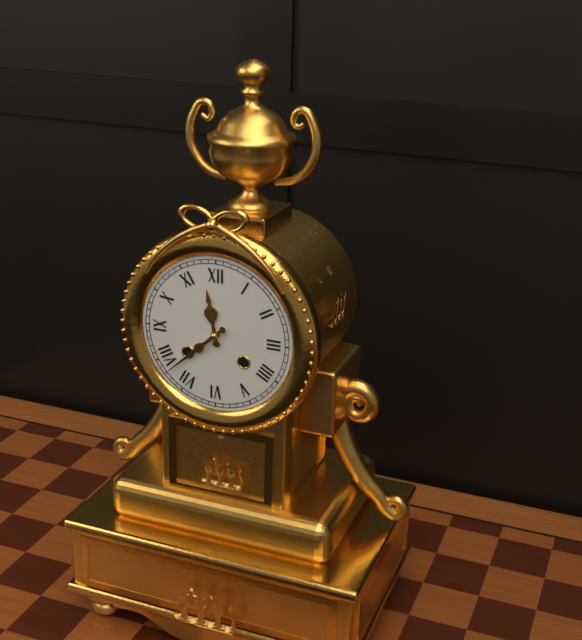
h=11 m=38
